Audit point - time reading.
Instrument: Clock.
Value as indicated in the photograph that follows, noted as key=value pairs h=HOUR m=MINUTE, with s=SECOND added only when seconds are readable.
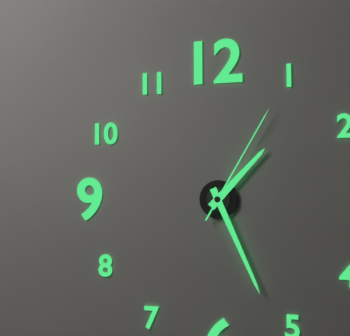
h=1 m=26 s=5
